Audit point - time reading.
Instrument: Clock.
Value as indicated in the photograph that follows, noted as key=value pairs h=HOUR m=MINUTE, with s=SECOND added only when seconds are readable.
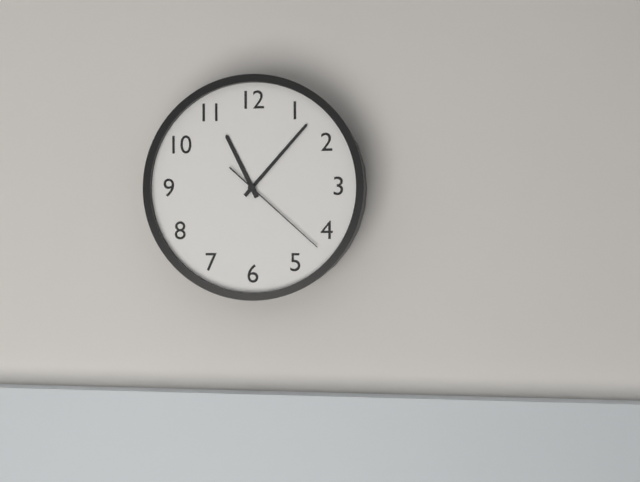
h=11 m=7 s=22
